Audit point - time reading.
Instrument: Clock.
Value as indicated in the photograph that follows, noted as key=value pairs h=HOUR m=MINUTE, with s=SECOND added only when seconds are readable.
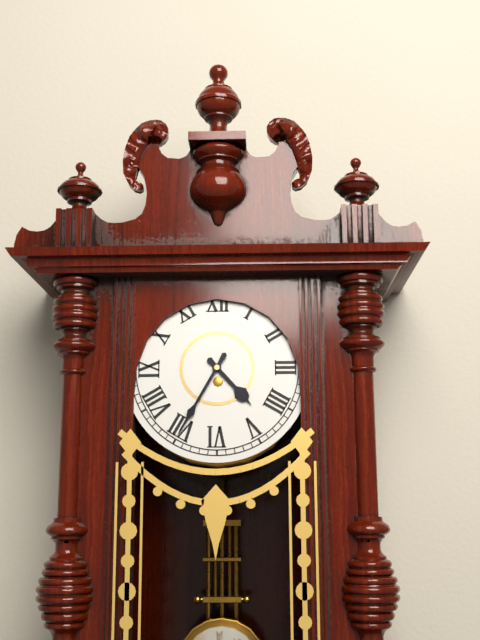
h=4 m=35
